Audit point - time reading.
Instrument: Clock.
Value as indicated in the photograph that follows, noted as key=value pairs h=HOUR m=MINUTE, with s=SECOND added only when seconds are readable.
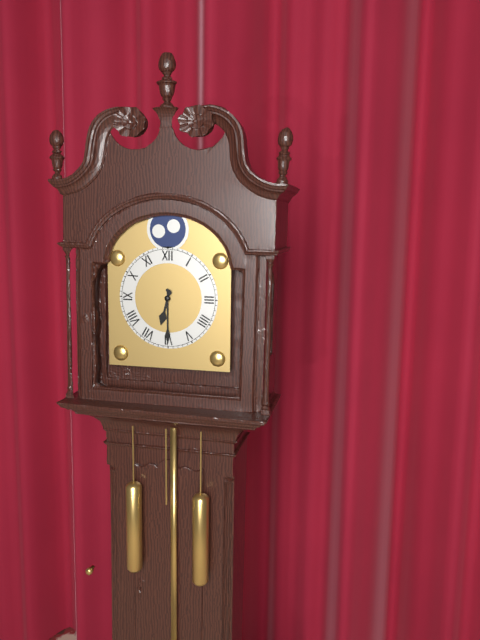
h=6 m=30
